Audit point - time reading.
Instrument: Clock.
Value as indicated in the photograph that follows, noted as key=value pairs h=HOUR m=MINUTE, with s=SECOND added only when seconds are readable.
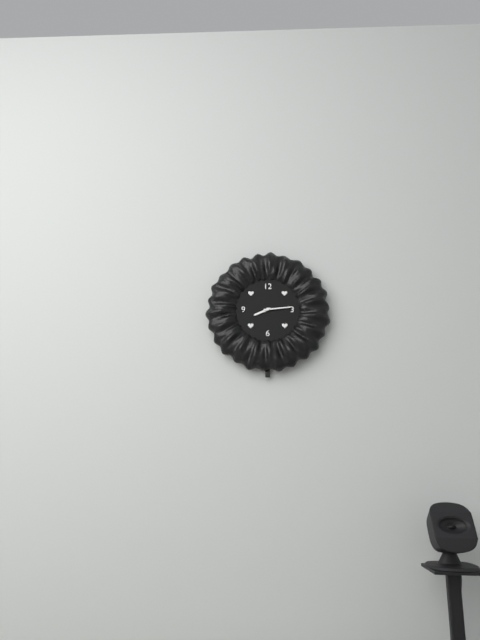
h=8 m=14
